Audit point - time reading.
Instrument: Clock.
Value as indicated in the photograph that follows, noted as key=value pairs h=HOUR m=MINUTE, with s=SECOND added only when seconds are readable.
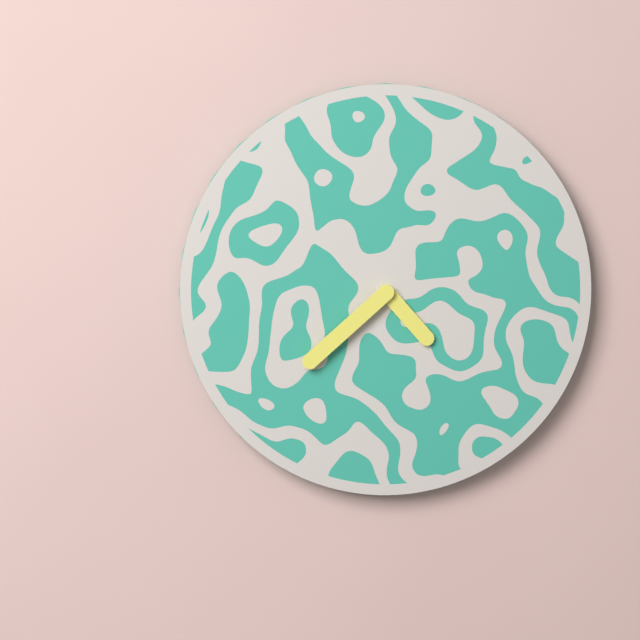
h=4 m=38
